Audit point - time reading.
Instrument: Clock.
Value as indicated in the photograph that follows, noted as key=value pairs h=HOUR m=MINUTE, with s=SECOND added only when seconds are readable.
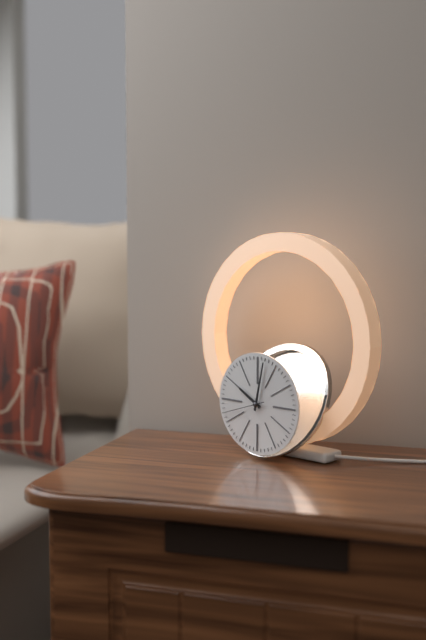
h=10 m=2
